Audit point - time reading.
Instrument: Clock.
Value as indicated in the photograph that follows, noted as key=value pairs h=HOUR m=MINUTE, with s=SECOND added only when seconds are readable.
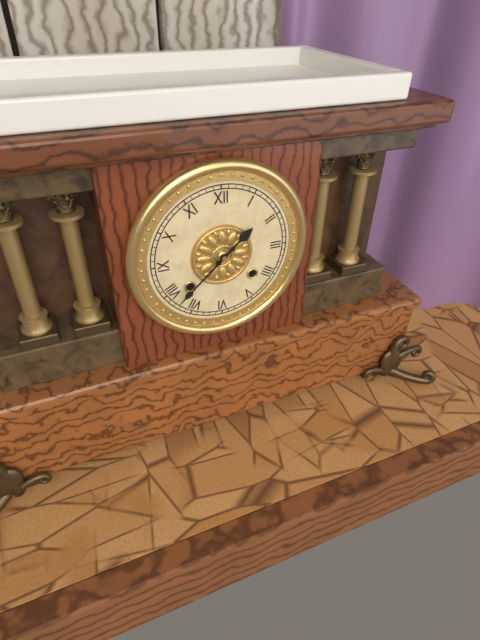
h=1 m=38
